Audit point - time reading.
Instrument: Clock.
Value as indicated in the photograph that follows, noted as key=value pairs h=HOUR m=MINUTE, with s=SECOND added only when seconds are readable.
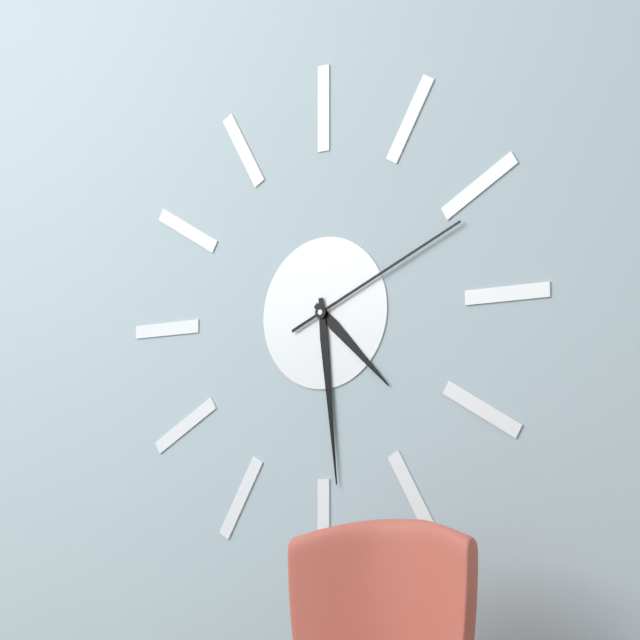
h=4 m=29 s=11
